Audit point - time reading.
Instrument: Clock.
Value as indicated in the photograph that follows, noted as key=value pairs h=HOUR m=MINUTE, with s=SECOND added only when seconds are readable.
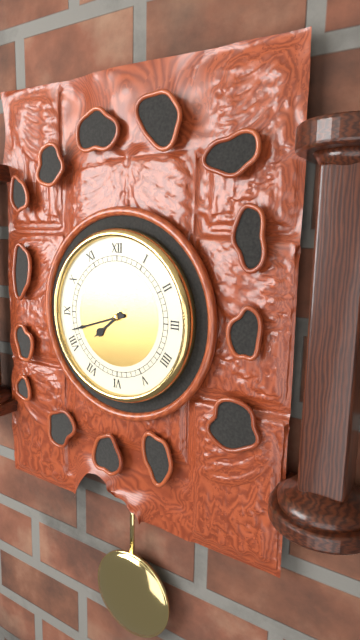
h=7 m=42
